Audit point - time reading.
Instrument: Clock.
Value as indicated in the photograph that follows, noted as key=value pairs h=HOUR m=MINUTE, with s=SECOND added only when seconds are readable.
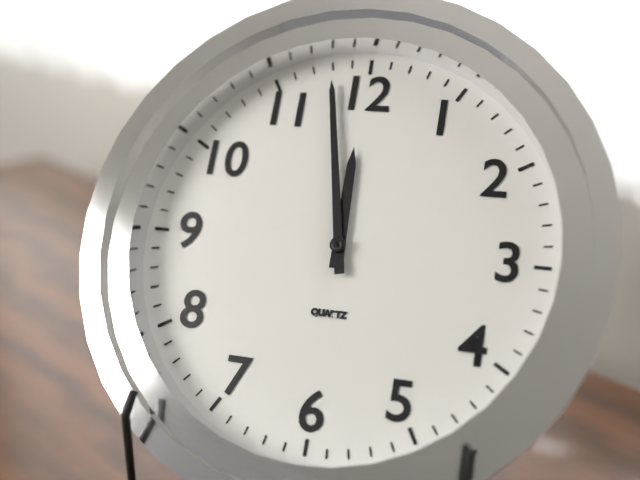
h=11 m=58
